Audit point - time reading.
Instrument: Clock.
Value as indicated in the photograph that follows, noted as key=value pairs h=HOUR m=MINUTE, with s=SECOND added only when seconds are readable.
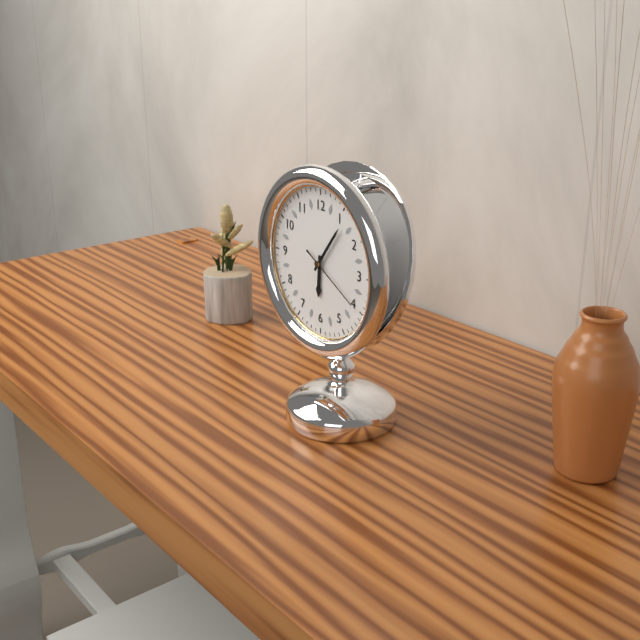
h=6 m=6 s=20
